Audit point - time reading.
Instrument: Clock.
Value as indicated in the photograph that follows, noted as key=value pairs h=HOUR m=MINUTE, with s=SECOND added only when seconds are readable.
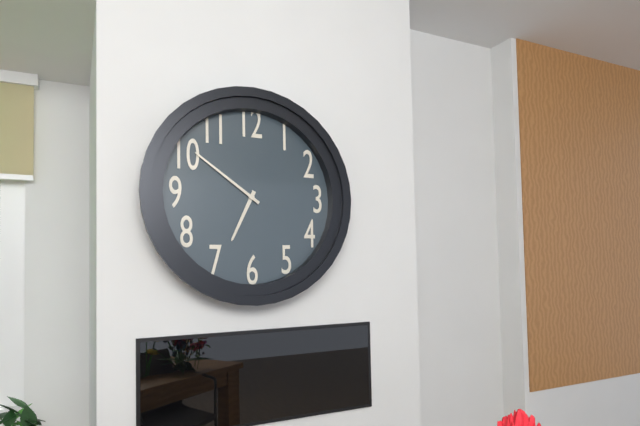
h=6 m=51
